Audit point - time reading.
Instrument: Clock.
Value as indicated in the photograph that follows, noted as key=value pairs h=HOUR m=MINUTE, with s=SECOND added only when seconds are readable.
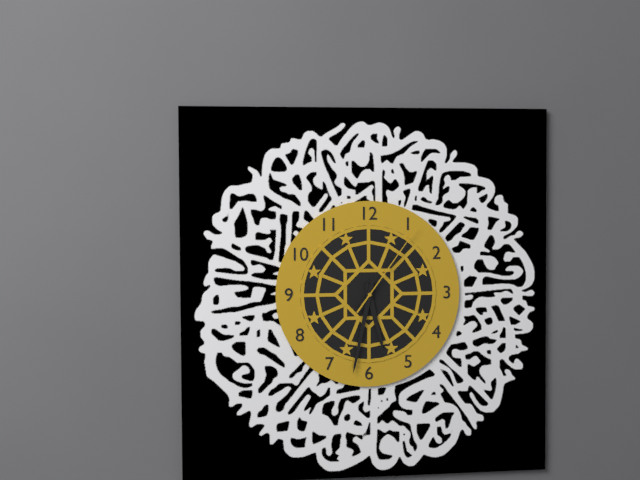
h=5 m=32 s=6
